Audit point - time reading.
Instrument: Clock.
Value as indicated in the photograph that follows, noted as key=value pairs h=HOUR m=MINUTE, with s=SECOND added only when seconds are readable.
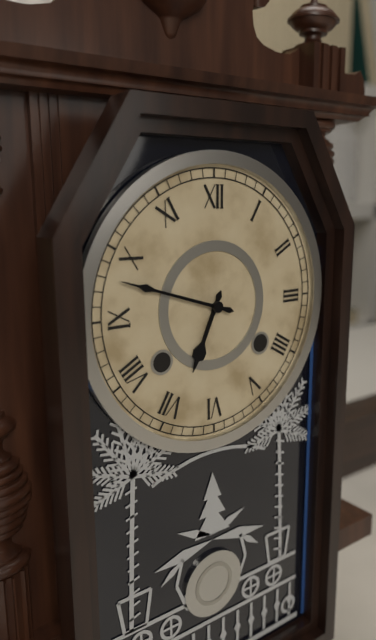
h=6 m=48
